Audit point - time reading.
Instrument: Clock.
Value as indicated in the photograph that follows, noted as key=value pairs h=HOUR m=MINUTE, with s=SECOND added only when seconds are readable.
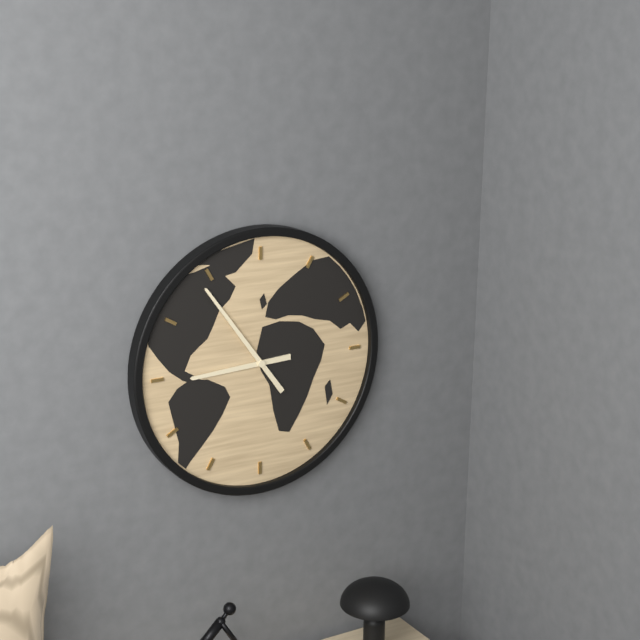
h=8 m=54
